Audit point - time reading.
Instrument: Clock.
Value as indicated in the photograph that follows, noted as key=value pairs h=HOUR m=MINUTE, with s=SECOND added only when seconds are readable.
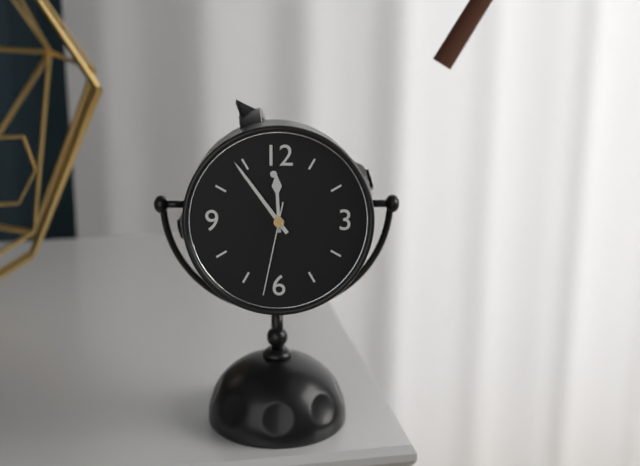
h=11 m=54 s=32
